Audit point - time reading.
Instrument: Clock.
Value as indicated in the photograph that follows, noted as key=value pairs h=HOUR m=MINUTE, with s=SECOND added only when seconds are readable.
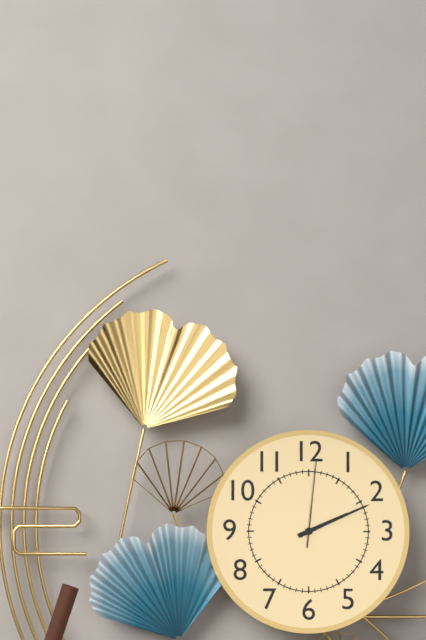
h=2 m=11 s=1
